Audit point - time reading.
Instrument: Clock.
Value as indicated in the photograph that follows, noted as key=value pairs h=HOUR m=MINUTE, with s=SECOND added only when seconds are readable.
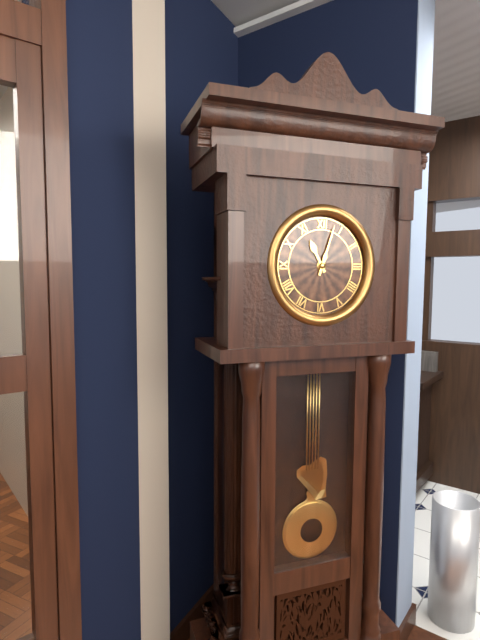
h=11 m=3
